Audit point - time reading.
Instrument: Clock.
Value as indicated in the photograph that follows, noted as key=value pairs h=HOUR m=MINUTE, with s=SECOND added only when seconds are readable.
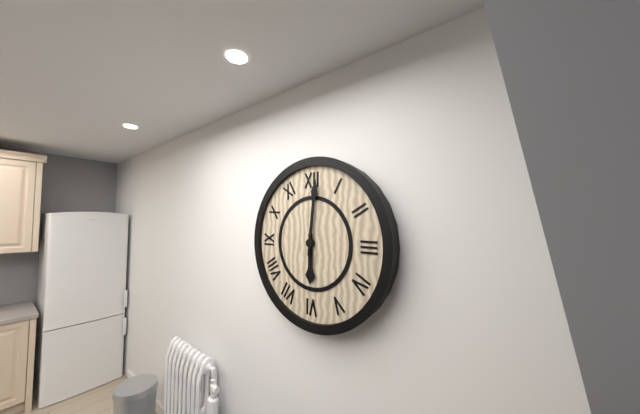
h=6 m=1
